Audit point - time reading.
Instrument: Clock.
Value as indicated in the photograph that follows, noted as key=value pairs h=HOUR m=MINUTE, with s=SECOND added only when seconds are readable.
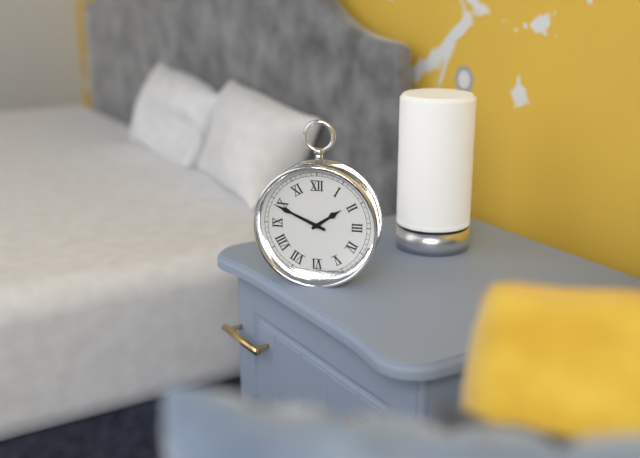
h=1 m=49
